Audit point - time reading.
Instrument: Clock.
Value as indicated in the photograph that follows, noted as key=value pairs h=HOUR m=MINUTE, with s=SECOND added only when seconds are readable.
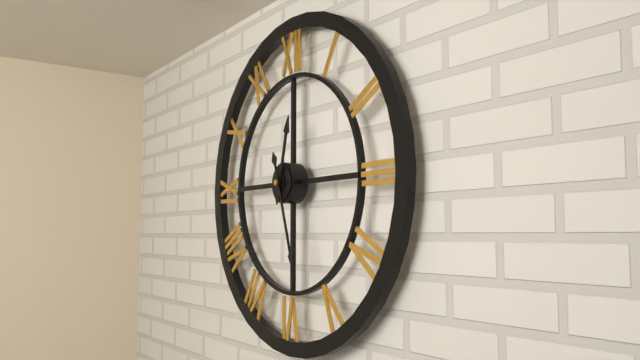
h=12 m=27
